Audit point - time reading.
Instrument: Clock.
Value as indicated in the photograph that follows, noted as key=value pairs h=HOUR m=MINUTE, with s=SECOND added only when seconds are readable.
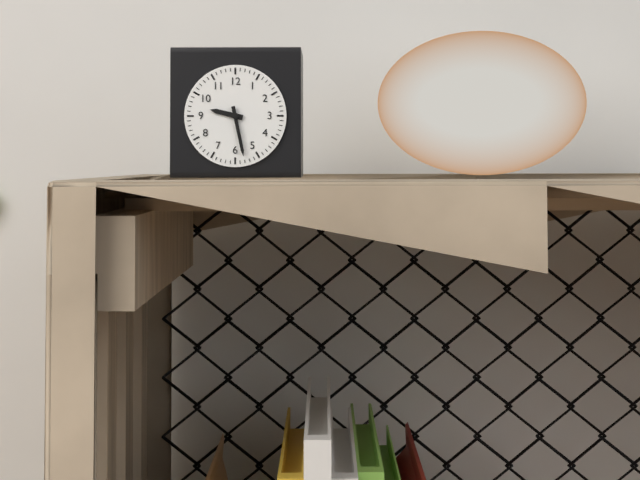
h=9 m=28
